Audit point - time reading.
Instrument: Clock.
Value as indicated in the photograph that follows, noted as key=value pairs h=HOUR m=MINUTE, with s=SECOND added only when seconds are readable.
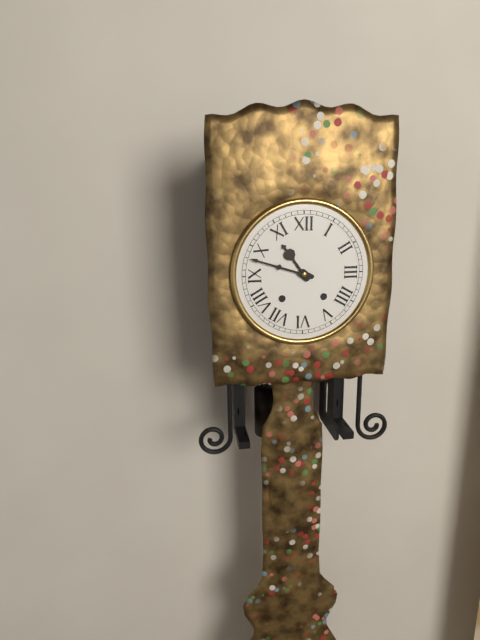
h=10 m=48
